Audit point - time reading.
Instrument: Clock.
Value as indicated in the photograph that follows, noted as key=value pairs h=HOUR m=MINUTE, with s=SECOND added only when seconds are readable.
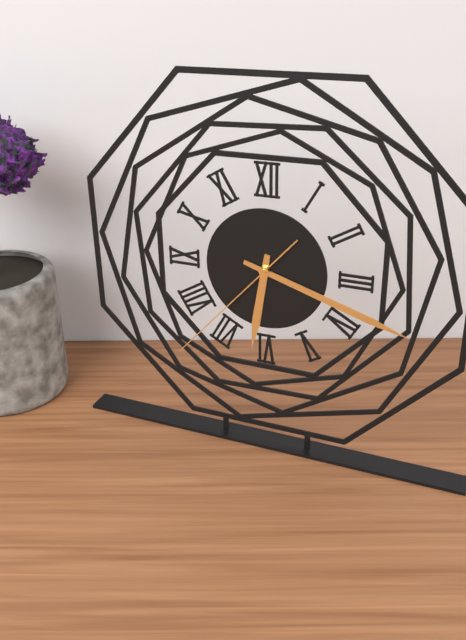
h=6 m=18 s=37
